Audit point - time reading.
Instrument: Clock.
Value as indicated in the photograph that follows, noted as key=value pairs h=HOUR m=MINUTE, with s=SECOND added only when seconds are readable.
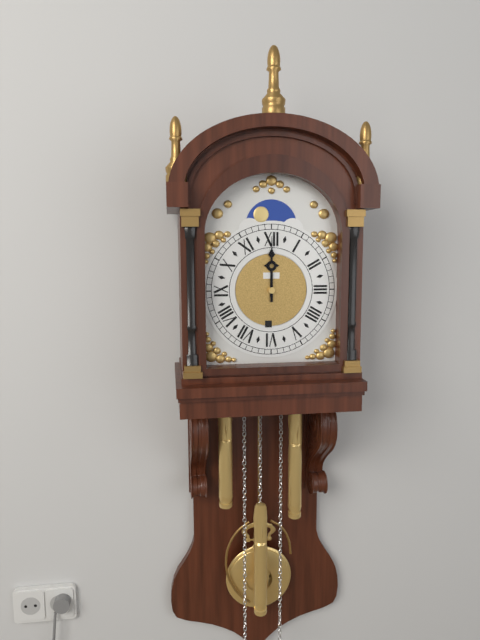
h=12 m=0
